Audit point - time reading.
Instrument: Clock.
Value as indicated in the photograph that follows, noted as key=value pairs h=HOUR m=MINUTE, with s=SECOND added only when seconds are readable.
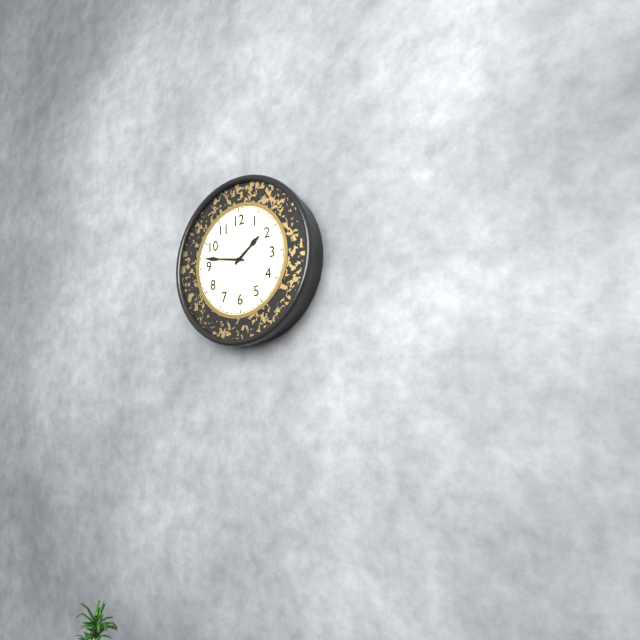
h=1 m=47
